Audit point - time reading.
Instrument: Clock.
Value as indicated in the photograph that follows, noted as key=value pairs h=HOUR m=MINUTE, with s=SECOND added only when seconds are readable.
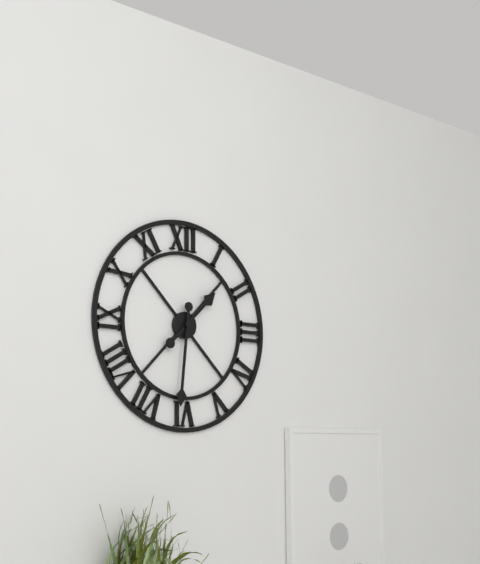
h=1 m=31
